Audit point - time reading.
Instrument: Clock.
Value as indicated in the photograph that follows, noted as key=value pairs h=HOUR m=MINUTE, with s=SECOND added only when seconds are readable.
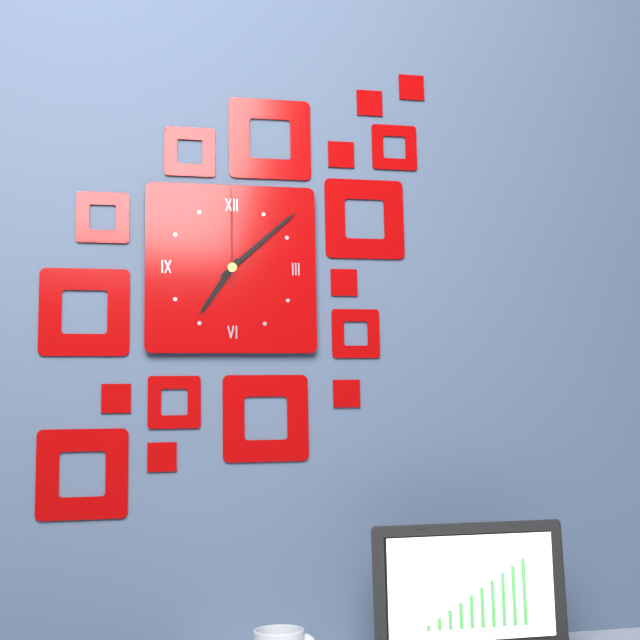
h=7 m=8 s=0
